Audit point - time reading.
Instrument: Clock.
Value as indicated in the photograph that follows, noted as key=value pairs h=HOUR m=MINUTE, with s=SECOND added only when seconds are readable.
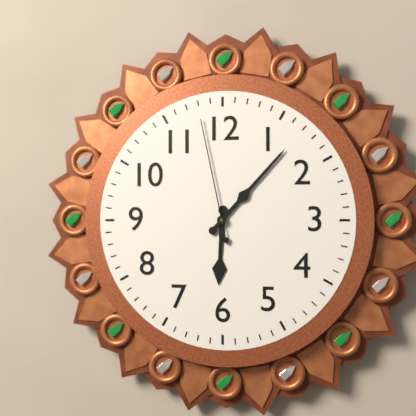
h=6 m=7 s=58
